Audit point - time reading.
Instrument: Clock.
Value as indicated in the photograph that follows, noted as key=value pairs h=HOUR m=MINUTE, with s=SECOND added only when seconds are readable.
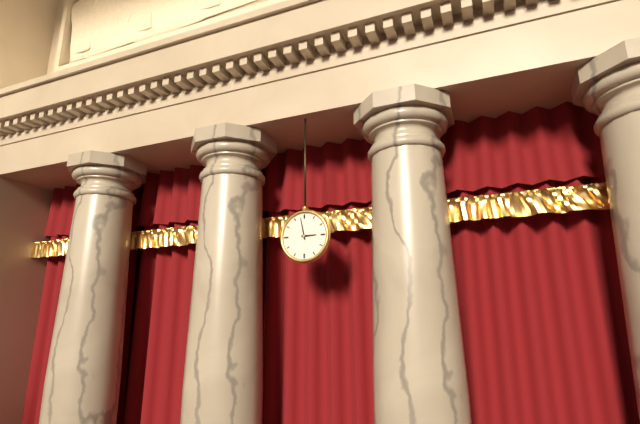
h=2 m=58
